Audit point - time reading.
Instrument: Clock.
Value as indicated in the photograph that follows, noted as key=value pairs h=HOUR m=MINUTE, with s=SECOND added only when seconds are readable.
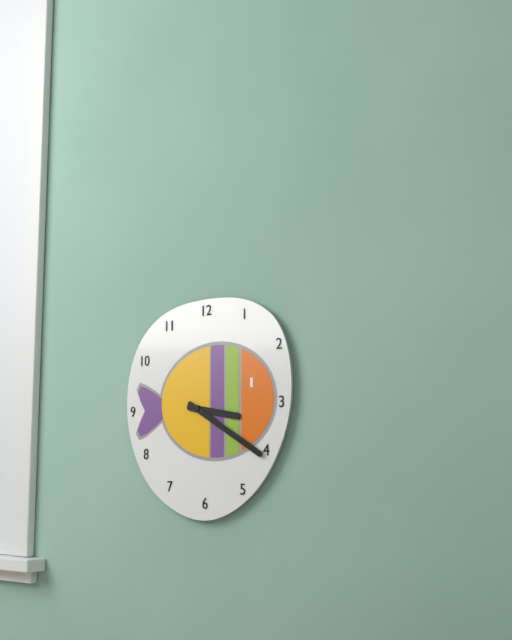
h=3 m=20
